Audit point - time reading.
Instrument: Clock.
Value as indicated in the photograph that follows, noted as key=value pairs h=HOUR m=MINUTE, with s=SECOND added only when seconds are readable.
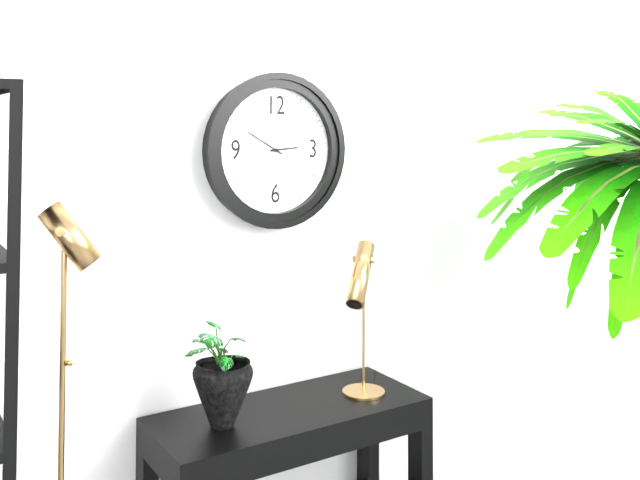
h=2 m=50
